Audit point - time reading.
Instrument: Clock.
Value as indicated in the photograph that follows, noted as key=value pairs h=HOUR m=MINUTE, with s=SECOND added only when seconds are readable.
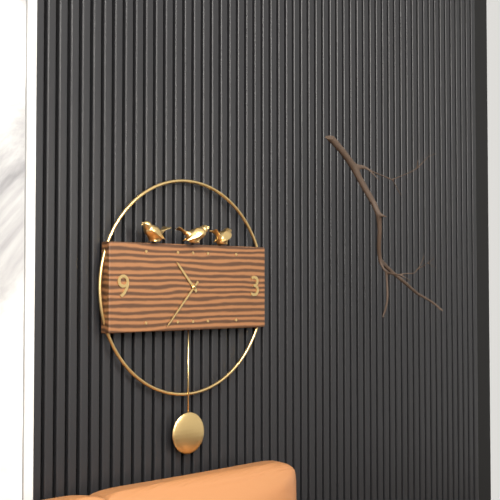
h=10 m=37
